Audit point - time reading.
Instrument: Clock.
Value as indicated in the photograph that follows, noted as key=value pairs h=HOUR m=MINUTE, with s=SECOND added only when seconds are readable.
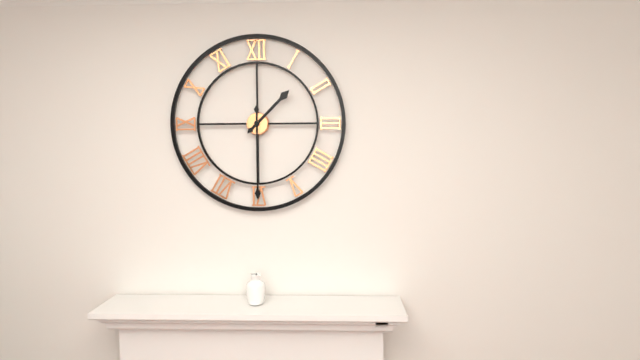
h=1 m=30
